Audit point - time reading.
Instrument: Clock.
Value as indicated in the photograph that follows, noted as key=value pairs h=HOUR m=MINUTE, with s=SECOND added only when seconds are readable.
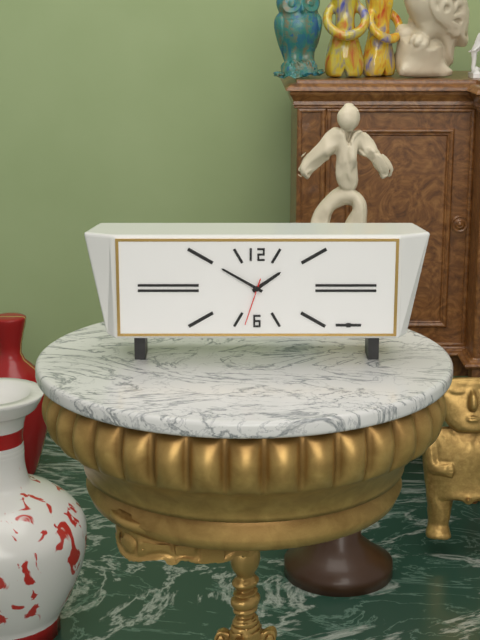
h=1 m=50
